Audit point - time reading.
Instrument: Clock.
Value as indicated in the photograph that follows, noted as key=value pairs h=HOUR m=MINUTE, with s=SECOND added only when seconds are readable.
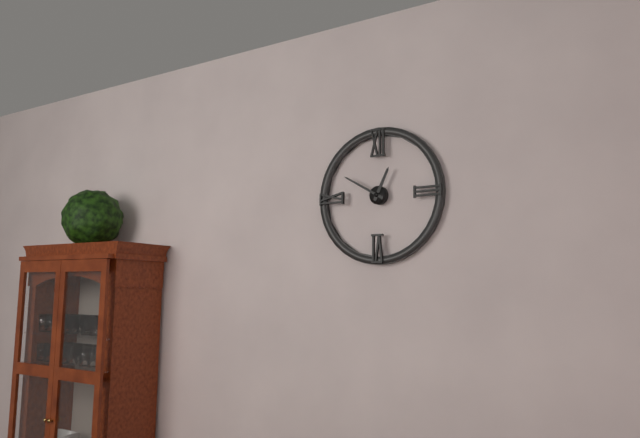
h=12 m=50
